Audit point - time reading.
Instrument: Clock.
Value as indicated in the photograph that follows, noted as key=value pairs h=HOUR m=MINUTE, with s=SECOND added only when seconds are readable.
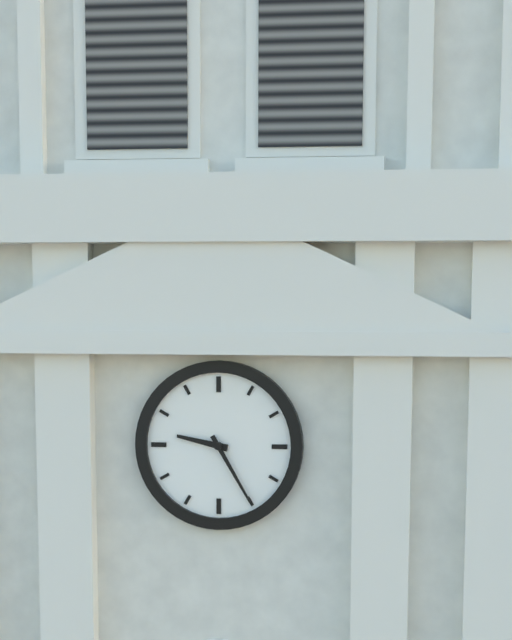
h=9 m=25
